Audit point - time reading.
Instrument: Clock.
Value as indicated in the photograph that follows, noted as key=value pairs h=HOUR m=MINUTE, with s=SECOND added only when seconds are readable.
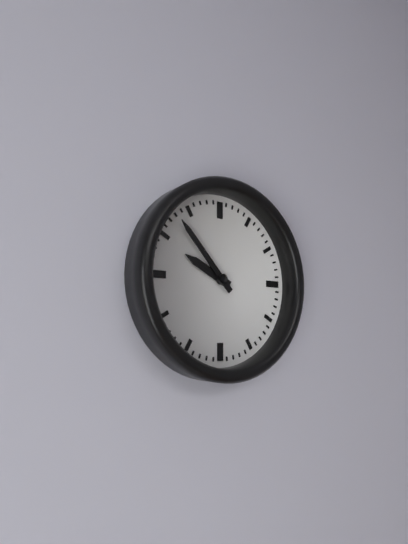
h=9 m=53
